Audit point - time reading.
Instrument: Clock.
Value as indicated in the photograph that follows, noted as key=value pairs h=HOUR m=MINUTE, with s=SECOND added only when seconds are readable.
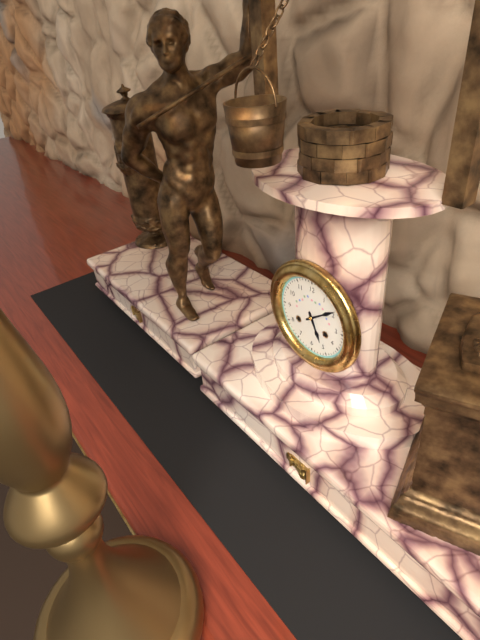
h=5 m=9
